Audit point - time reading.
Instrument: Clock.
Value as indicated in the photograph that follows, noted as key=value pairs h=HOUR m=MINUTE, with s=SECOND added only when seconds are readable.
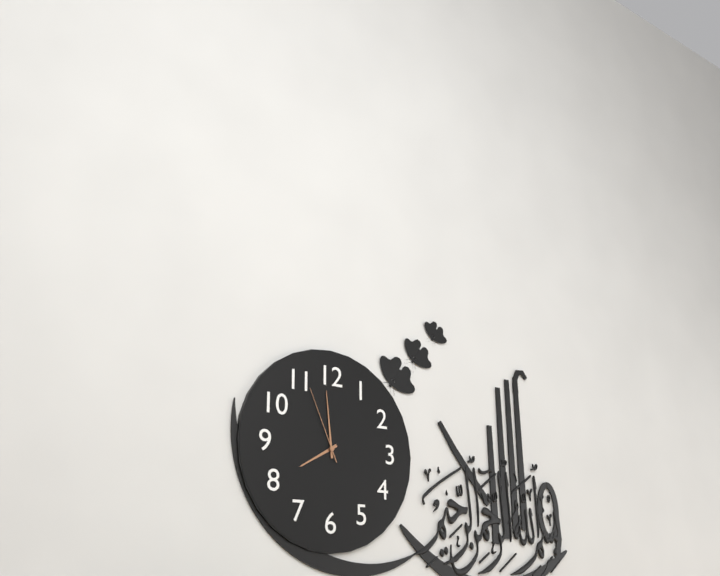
h=7 m=59 s=56
